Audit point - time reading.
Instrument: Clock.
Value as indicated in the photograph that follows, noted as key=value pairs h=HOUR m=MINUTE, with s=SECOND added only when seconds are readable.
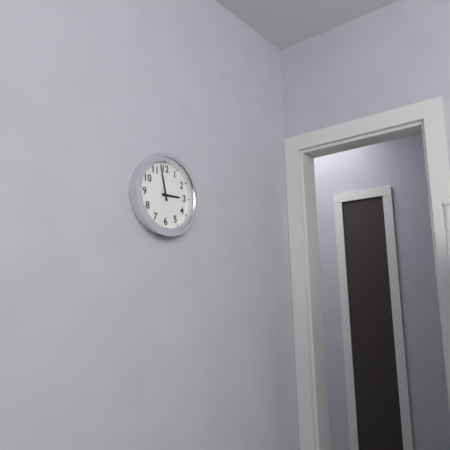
h=2 m=58
